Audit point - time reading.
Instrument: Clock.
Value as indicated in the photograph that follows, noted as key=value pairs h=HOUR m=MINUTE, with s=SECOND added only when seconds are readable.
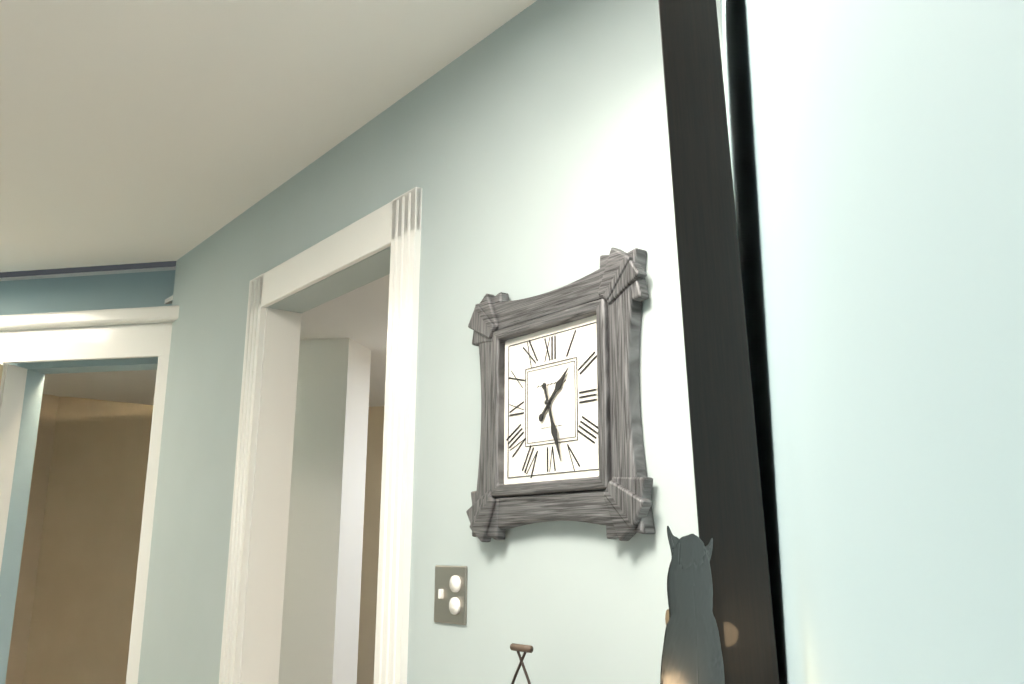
h=1 m=27
